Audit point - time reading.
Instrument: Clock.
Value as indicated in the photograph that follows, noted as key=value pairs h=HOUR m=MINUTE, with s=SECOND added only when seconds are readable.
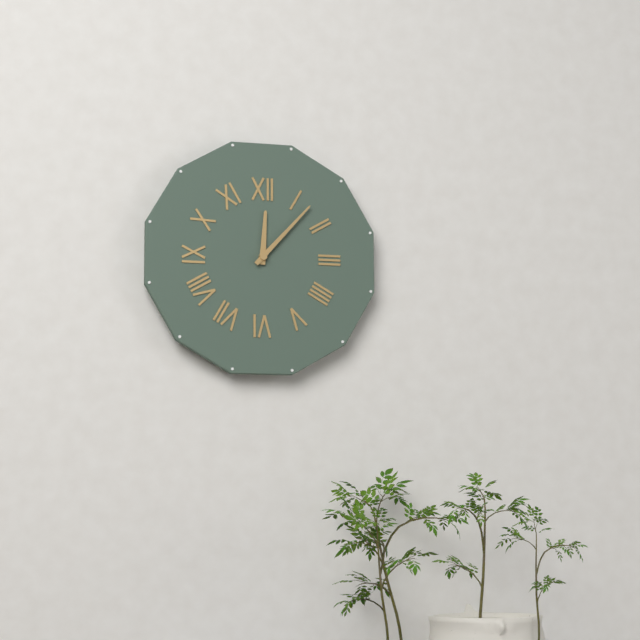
h=12 m=7
